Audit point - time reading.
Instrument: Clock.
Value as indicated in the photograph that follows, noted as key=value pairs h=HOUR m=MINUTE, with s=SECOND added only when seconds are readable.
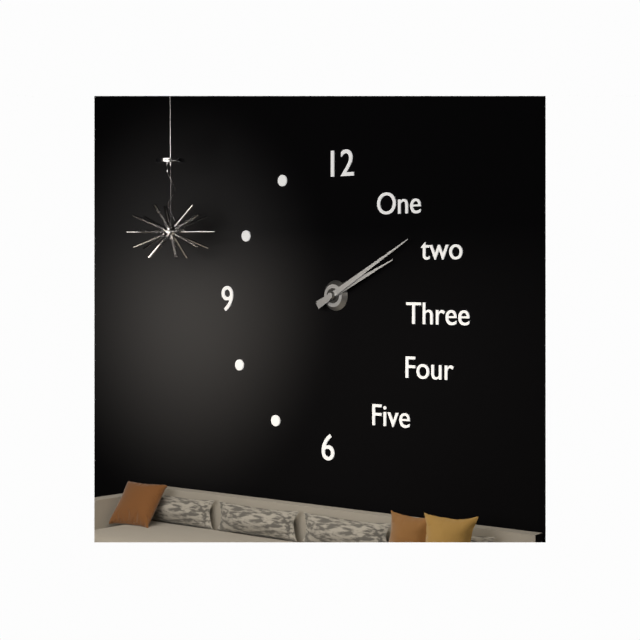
h=2 m=10
